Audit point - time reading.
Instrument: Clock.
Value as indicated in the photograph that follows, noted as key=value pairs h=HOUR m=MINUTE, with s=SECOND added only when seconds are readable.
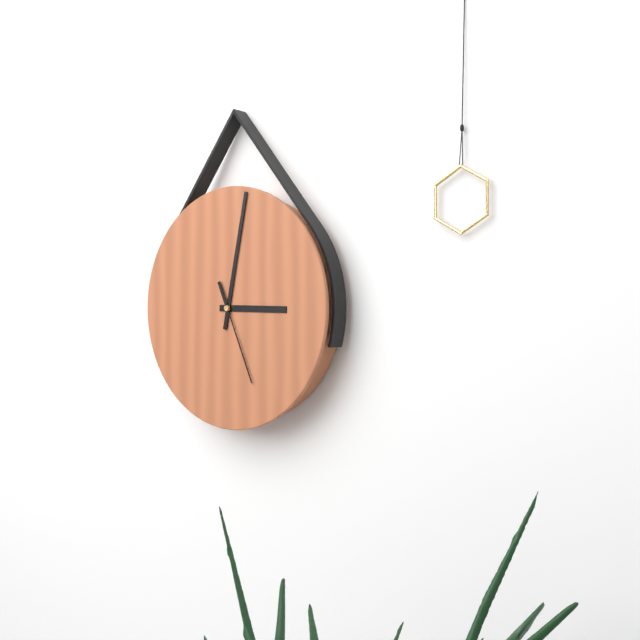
h=3 m=2 s=26
